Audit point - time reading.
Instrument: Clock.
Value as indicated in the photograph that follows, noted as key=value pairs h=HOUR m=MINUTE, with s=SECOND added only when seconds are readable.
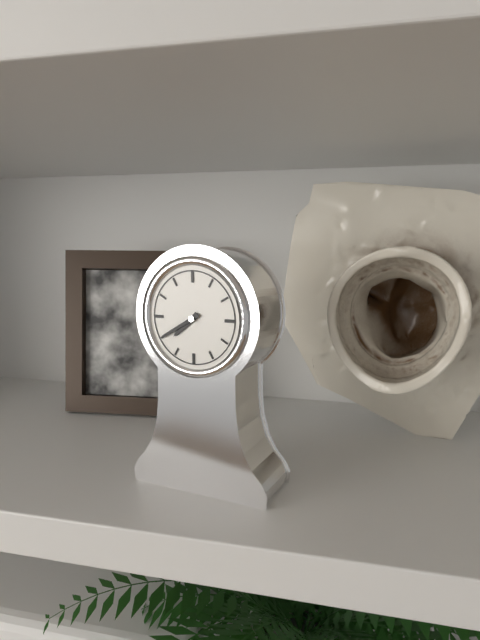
h=7 m=40
